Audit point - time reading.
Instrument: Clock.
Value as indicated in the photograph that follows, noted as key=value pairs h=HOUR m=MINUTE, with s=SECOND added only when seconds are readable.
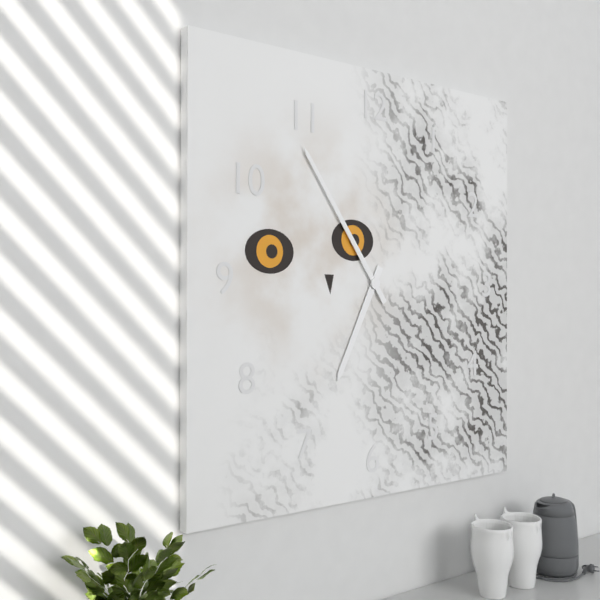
h=6 m=54
